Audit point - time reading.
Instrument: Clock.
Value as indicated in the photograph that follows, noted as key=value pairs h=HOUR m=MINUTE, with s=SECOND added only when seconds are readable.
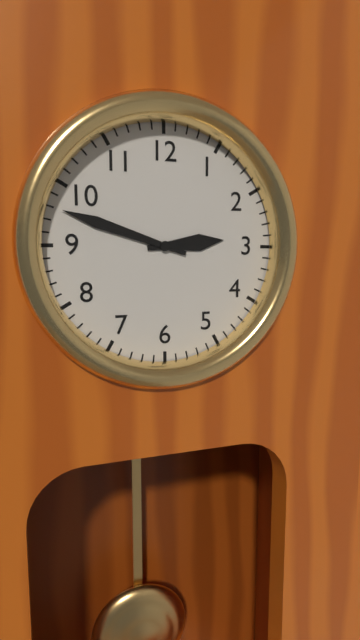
h=2 m=48
